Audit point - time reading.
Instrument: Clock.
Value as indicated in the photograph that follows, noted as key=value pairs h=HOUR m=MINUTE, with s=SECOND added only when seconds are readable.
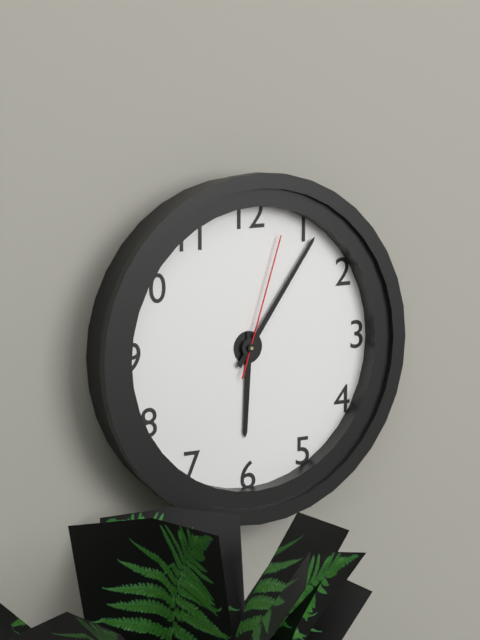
h=6 m=6 s=3
